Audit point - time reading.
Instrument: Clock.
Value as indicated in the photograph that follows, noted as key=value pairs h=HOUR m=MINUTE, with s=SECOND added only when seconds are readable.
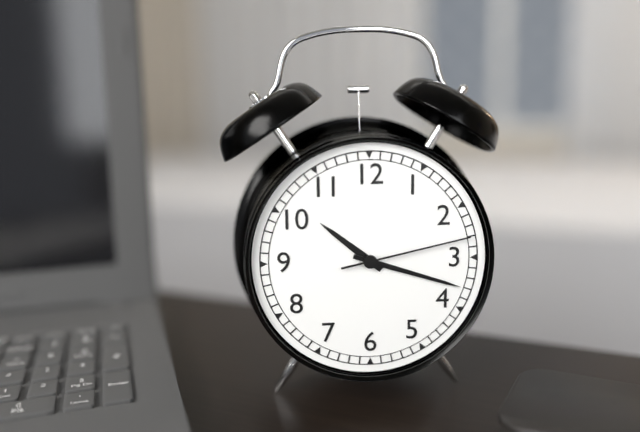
h=10 m=18 s=13
